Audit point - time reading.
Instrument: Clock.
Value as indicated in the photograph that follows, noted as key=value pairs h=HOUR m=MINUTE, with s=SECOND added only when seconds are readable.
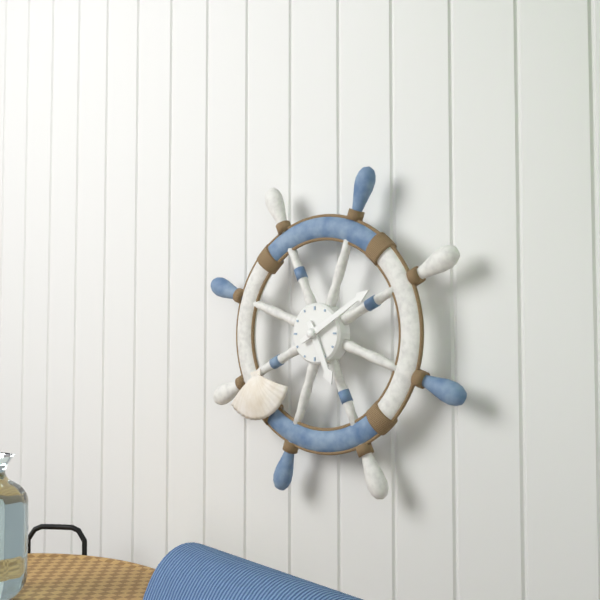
h=5 m=10
